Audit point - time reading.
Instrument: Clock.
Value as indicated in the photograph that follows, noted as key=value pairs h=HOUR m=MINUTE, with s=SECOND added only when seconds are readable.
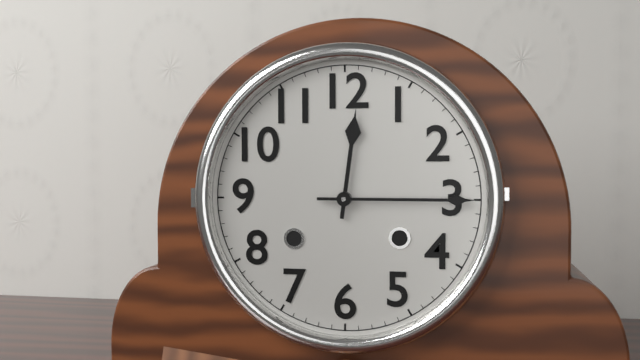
h=12 m=15
